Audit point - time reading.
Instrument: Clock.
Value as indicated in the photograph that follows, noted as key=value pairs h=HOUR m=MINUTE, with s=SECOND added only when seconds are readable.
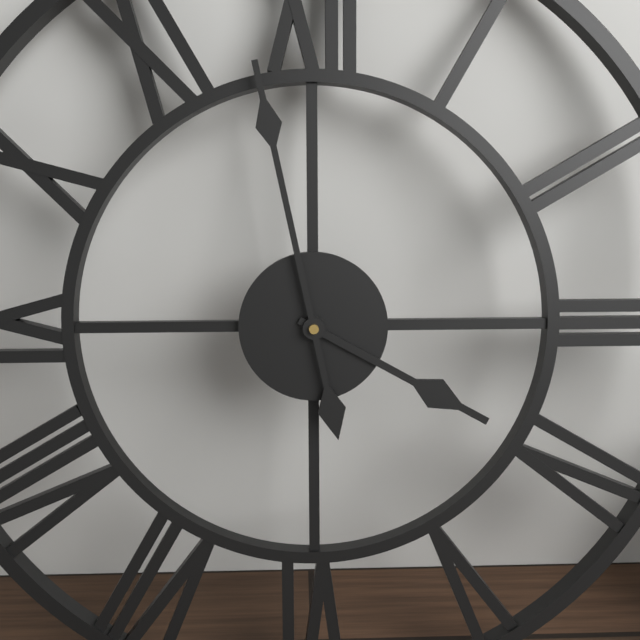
h=3 m=58
